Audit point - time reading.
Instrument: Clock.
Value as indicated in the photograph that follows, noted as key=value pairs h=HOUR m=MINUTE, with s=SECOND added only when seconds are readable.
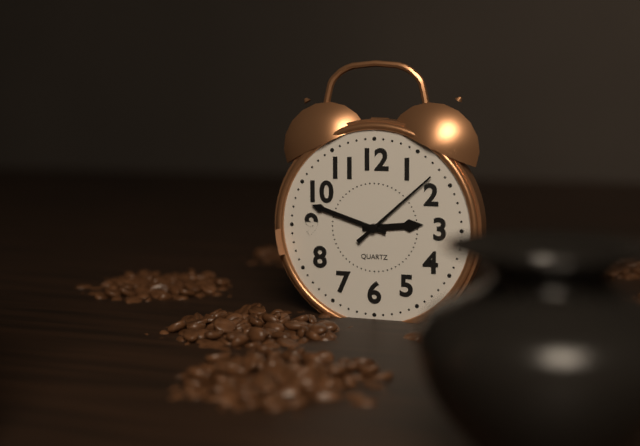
h=2 m=48 s=8
